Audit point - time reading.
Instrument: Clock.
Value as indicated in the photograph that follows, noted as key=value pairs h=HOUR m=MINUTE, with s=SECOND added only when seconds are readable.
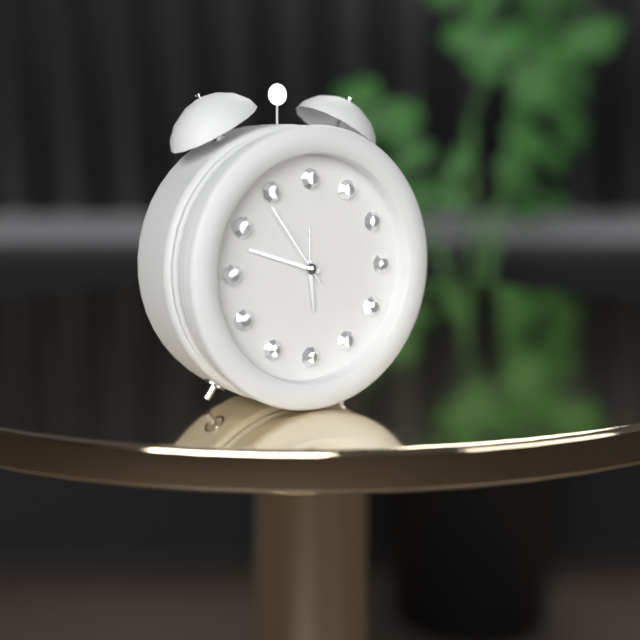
h=5 m=48 s=54
